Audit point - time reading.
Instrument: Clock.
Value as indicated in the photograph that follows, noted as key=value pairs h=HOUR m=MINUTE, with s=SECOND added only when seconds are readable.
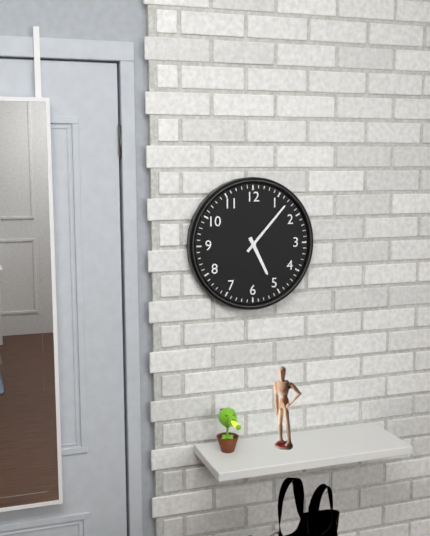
h=5 m=7
